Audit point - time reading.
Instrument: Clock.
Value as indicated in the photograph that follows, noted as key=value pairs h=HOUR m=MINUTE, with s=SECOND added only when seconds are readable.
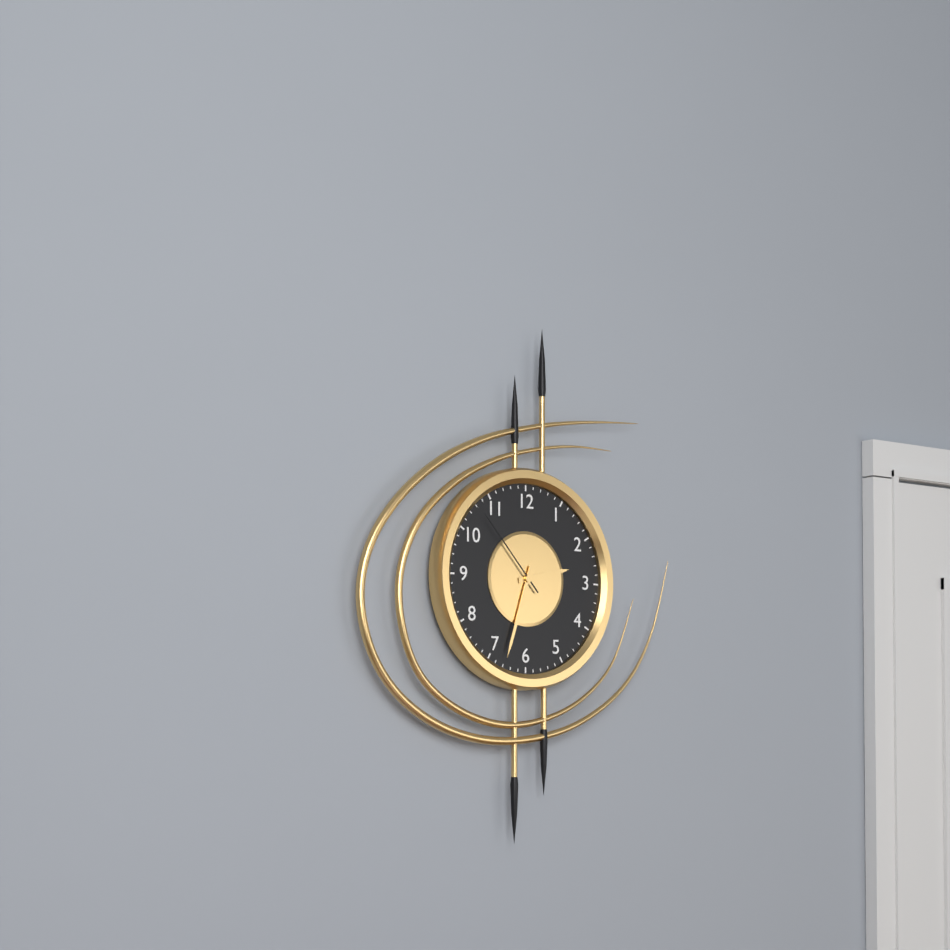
h=2 m=33 s=53
